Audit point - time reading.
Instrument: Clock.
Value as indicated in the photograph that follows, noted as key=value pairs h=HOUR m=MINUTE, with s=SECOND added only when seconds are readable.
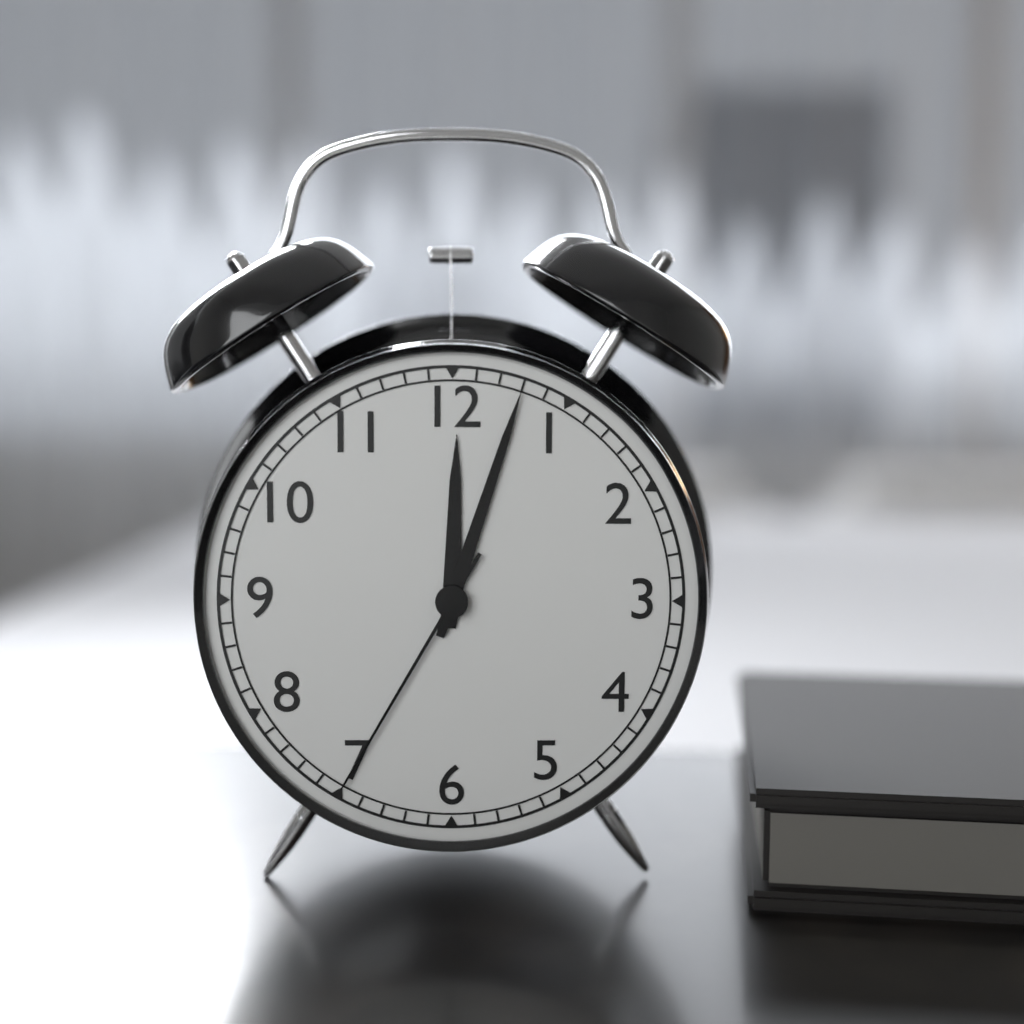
h=12 m=3 s=35
